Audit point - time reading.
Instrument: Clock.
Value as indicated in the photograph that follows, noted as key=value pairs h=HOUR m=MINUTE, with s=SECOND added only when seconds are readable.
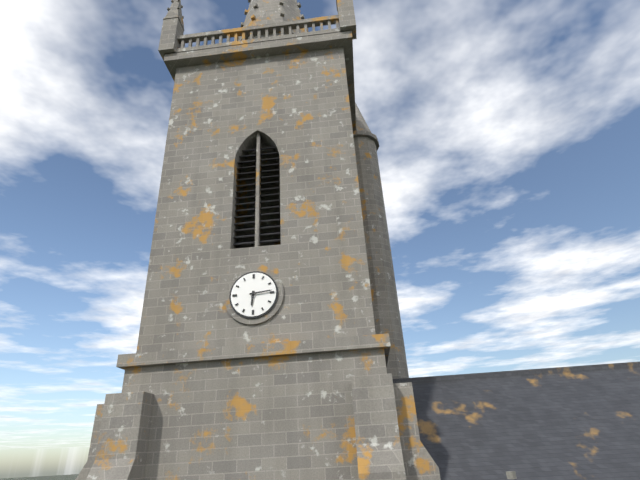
h=6 m=14
